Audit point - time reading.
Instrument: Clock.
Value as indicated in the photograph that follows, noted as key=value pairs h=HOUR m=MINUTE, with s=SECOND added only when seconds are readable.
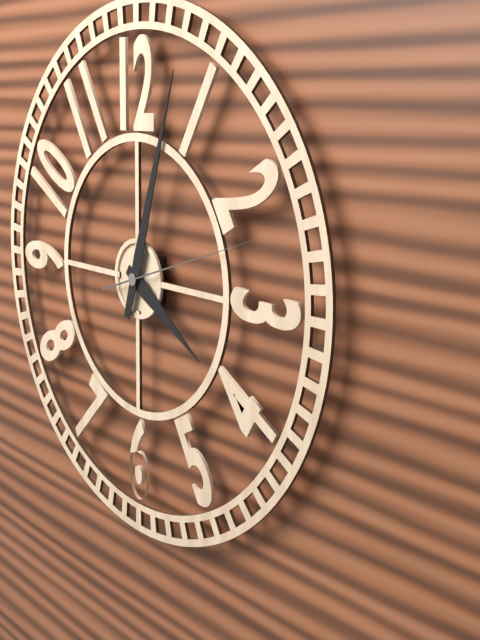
h=4 m=3 s=12
